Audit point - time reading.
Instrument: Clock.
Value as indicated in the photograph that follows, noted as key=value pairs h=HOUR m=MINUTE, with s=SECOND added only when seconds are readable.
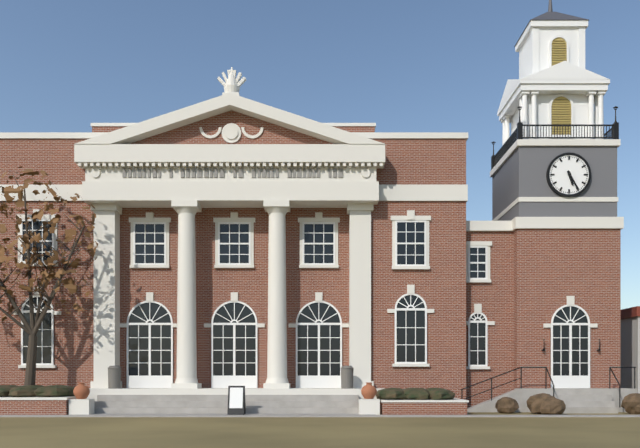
h=5 m=25
